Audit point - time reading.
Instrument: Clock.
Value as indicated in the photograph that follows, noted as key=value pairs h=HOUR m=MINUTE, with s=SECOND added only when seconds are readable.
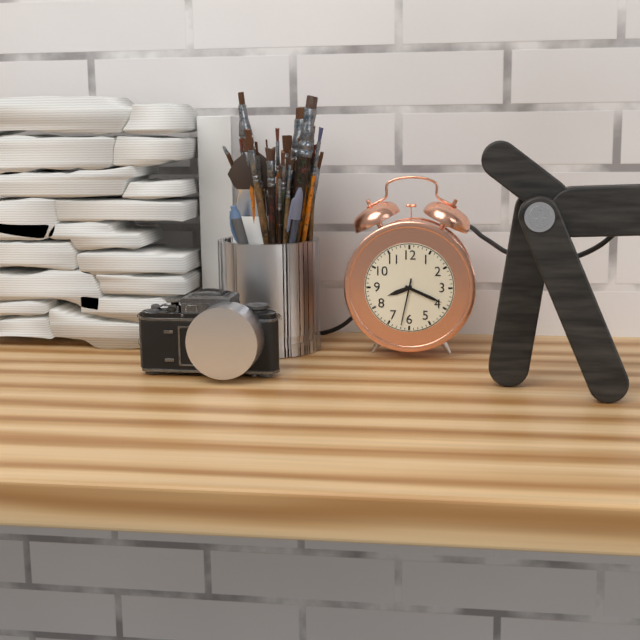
h=8 m=19
